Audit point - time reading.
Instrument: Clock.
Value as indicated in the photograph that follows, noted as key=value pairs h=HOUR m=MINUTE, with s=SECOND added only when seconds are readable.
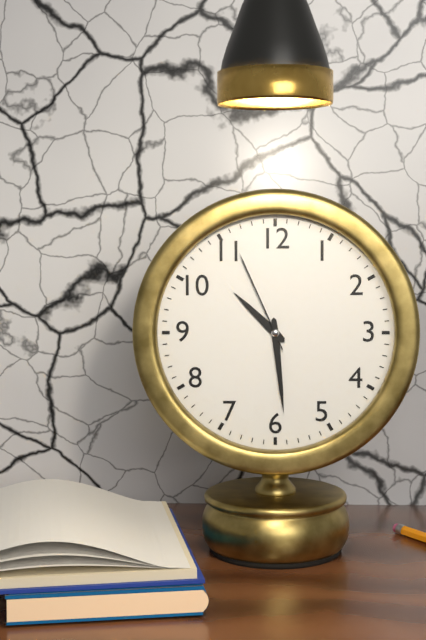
h=10 m=29 s=56
